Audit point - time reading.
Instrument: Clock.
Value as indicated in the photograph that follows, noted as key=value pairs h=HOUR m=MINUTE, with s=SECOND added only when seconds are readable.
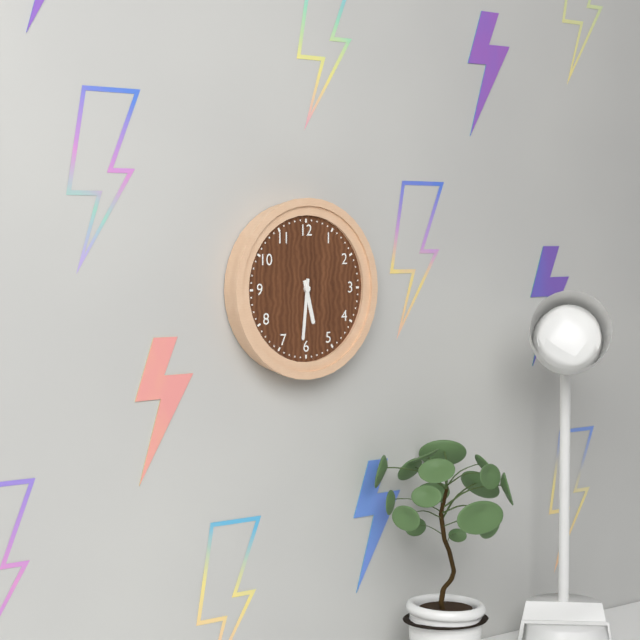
h=5 m=31
